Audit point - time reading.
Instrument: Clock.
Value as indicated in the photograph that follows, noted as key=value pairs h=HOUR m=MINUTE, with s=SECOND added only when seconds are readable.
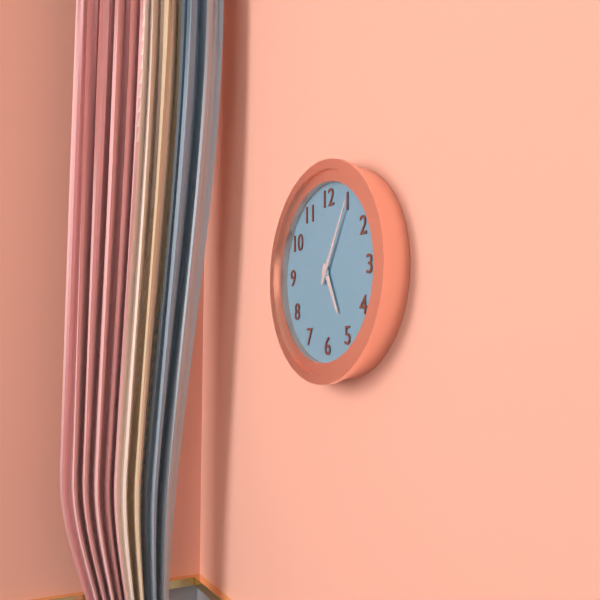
h=5 m=5
